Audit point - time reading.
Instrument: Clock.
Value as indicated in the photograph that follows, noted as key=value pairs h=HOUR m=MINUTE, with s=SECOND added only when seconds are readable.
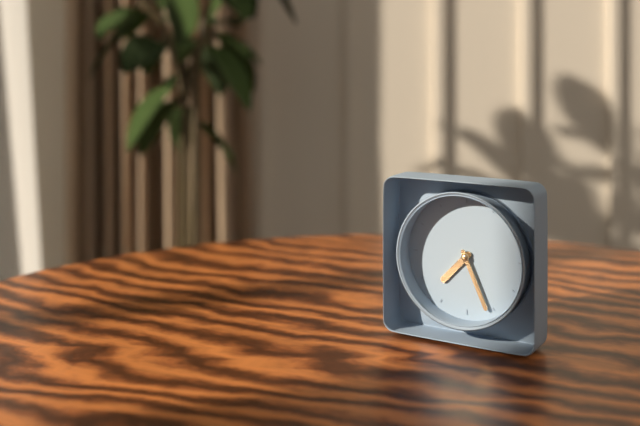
h=7 m=26
